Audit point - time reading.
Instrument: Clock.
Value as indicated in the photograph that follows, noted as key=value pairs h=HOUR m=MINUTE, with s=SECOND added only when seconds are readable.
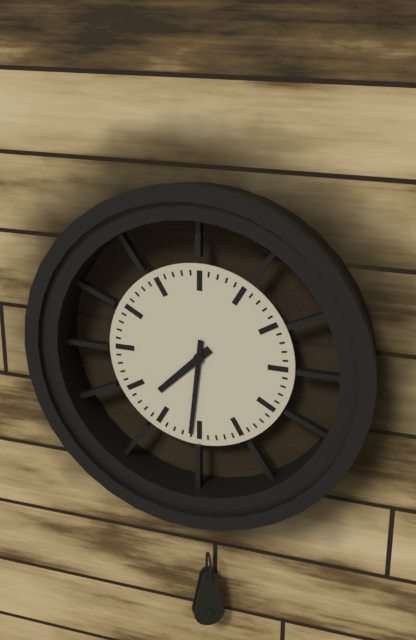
h=7 m=31
